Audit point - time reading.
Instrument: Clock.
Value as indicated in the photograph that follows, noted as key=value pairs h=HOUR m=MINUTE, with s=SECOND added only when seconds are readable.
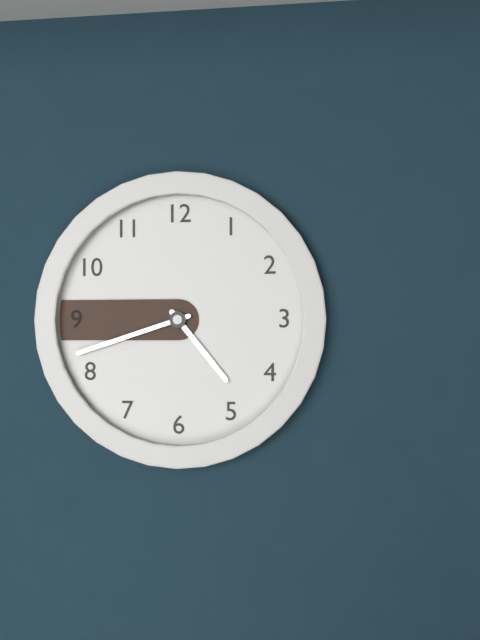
h=4 m=42
